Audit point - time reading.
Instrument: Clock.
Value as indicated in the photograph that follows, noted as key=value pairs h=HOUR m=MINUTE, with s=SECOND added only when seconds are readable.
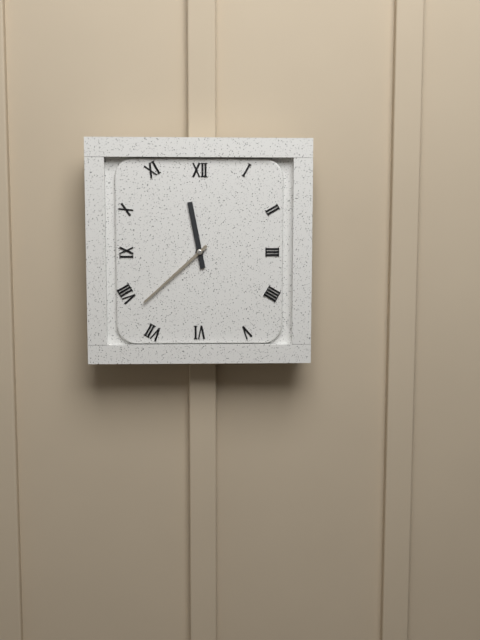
h=11 m=38
